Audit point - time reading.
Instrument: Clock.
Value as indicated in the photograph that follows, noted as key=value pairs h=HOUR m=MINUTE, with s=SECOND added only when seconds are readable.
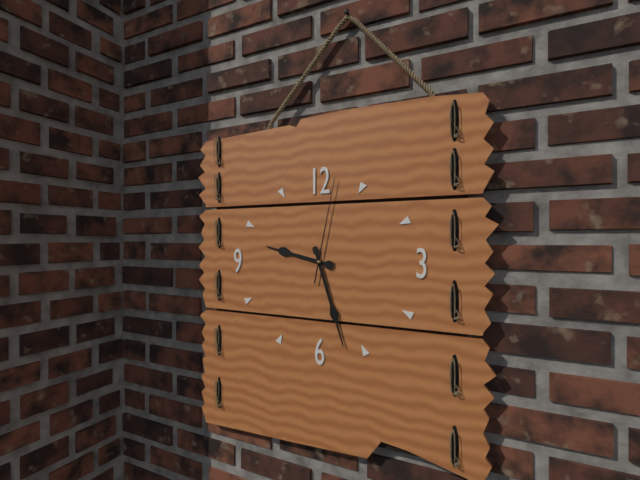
h=9 m=27 s=2
